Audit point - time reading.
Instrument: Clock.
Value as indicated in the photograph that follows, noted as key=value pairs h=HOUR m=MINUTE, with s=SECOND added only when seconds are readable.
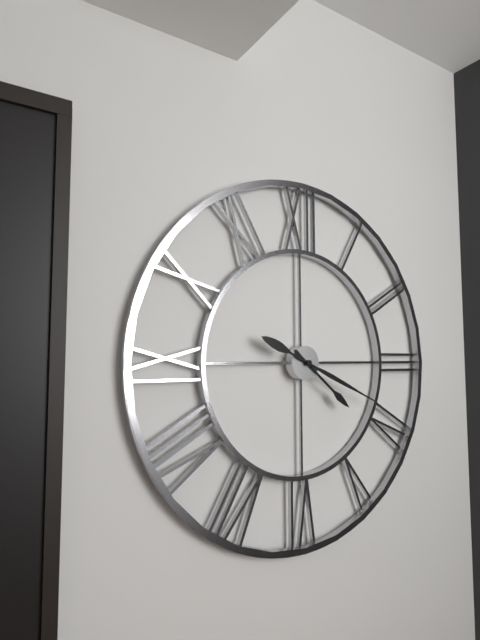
h=4 m=19
